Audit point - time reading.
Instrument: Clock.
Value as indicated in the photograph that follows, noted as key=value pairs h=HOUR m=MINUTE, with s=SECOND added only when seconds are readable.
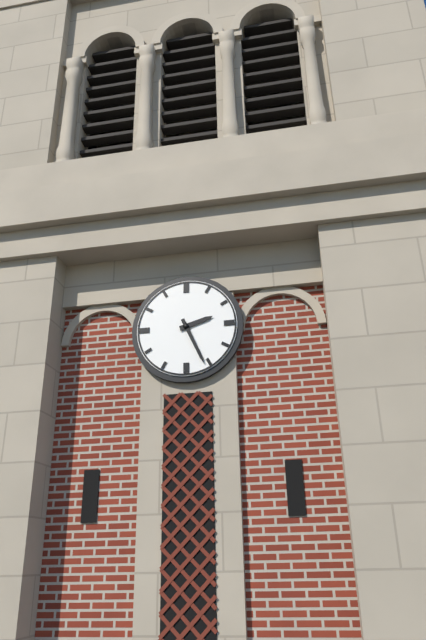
h=2 m=26
